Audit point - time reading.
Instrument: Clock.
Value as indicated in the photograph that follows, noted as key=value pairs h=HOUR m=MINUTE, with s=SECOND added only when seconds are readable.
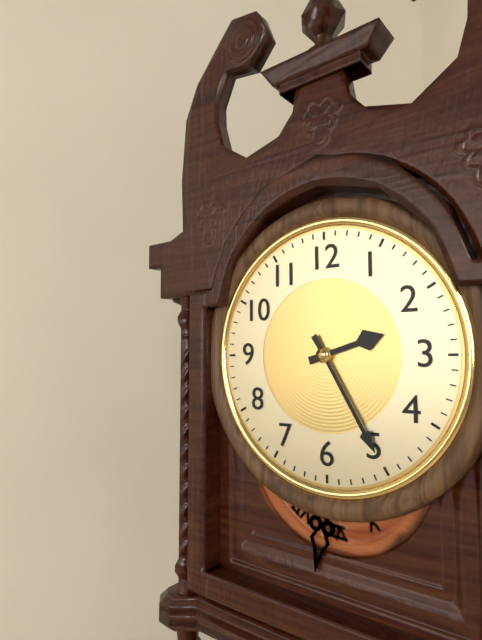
h=2 m=25
